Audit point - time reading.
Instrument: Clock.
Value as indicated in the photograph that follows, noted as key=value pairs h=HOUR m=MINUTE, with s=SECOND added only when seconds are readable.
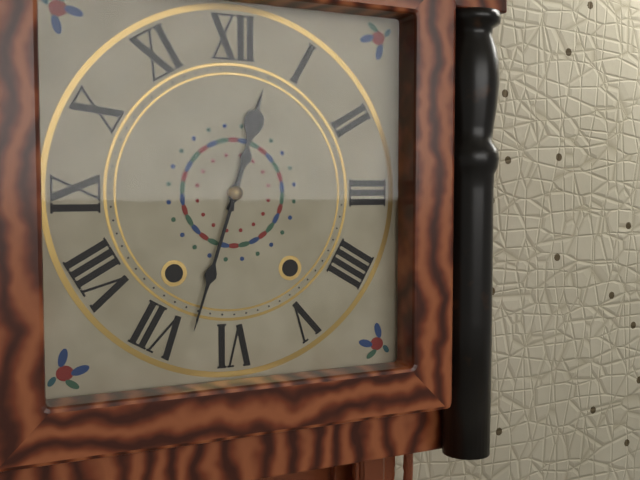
h=12 m=33
